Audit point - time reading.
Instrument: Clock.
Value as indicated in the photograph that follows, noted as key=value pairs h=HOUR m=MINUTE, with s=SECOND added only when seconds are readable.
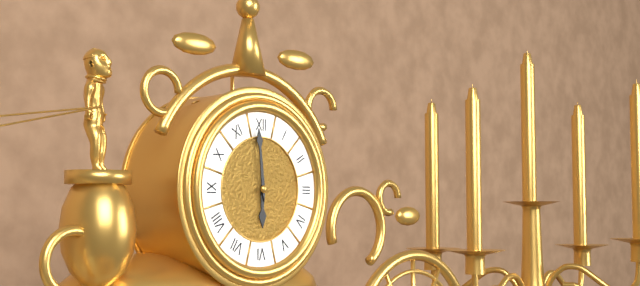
h=5 m=59
